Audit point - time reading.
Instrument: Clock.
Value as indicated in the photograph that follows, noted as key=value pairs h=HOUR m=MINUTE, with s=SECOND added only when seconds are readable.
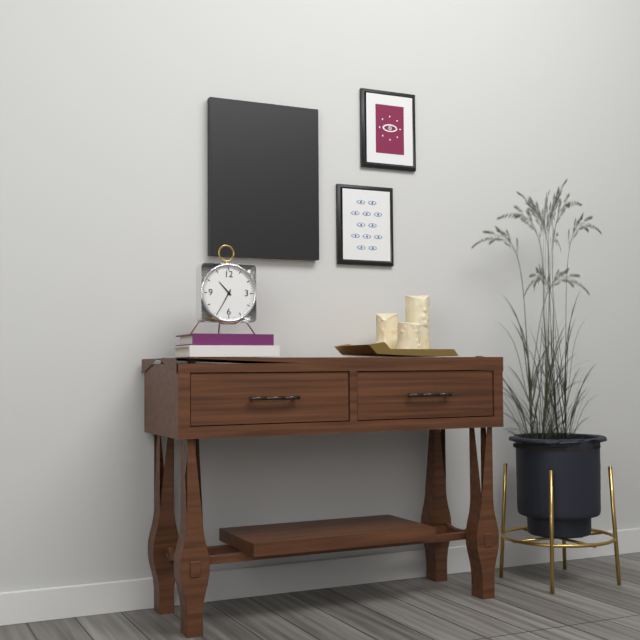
h=10 m=35
